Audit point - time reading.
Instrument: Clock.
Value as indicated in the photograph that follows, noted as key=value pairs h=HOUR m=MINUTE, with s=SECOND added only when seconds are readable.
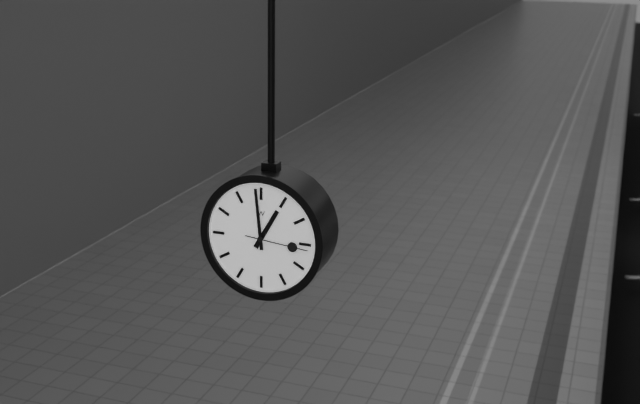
h=12 m=59 s=16
